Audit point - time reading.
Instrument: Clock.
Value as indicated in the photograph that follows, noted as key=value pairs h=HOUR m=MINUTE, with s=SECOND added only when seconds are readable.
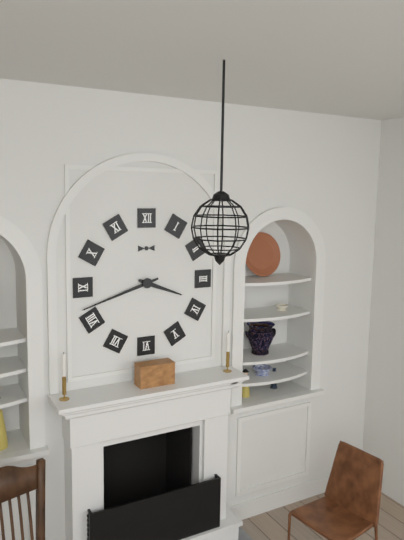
h=3 m=42
